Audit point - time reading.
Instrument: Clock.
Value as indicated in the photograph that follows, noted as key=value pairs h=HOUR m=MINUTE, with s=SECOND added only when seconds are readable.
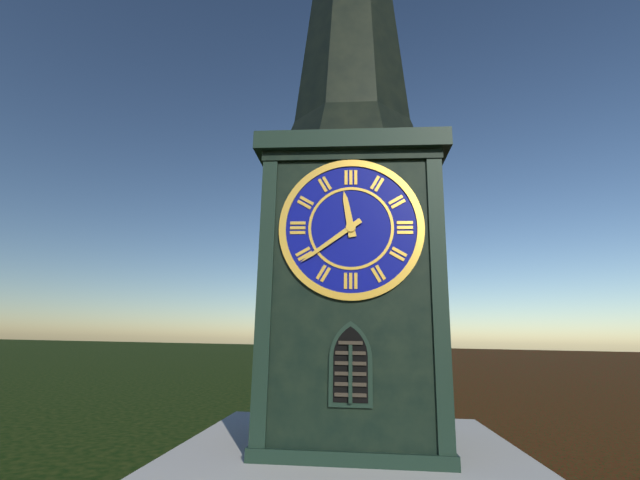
h=11 m=39
